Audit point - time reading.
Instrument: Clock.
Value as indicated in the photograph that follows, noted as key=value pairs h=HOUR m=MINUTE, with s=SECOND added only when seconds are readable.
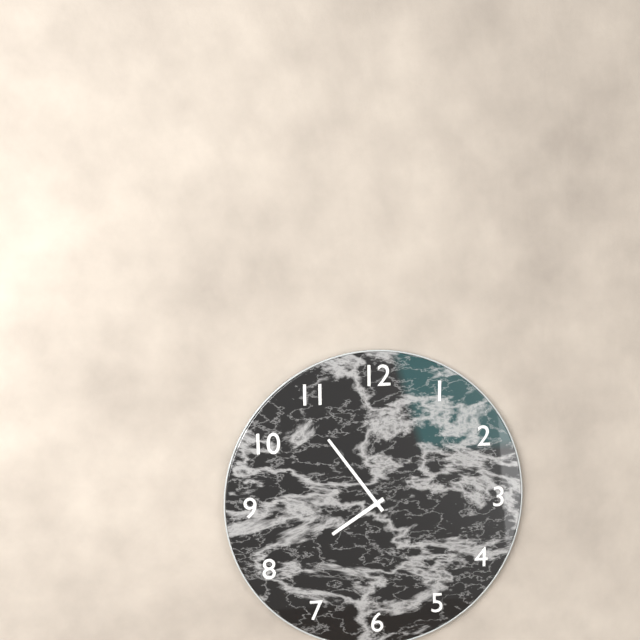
h=7 m=54
